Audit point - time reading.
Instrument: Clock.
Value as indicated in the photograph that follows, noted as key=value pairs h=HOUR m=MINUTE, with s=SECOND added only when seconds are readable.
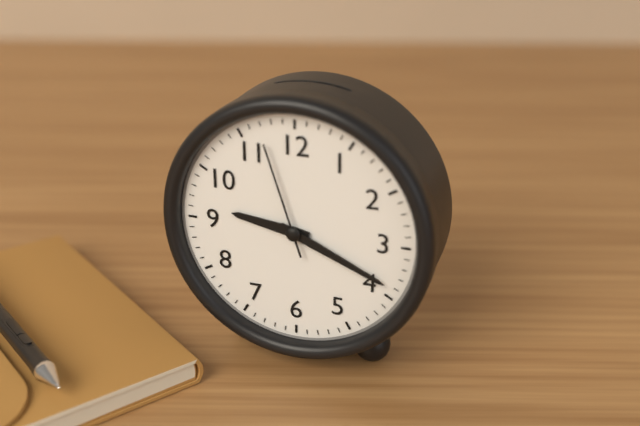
h=9 m=19 s=57
